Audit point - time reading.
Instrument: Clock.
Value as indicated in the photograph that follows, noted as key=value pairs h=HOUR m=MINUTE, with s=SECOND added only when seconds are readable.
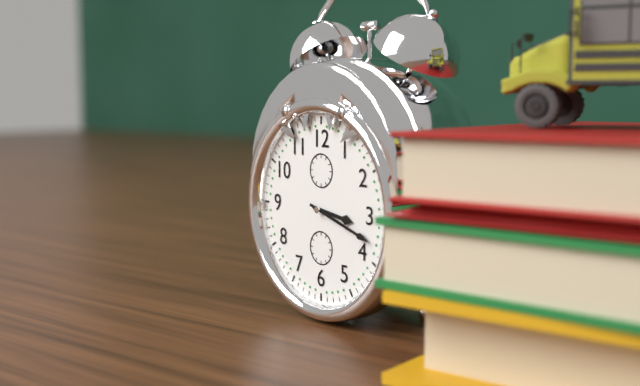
h=3 m=18
